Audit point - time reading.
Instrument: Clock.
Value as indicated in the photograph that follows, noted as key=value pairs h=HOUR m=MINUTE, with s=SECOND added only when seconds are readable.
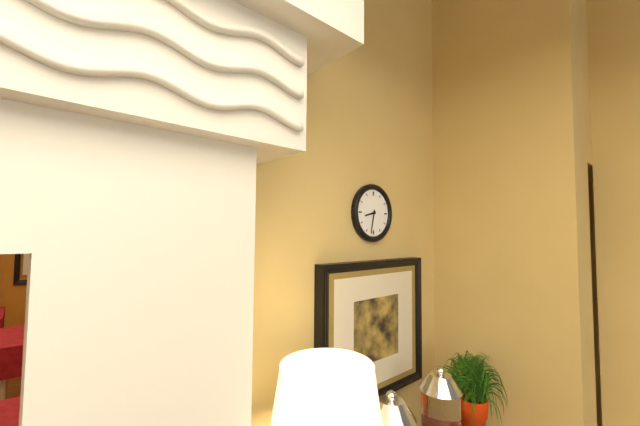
h=8 m=32
